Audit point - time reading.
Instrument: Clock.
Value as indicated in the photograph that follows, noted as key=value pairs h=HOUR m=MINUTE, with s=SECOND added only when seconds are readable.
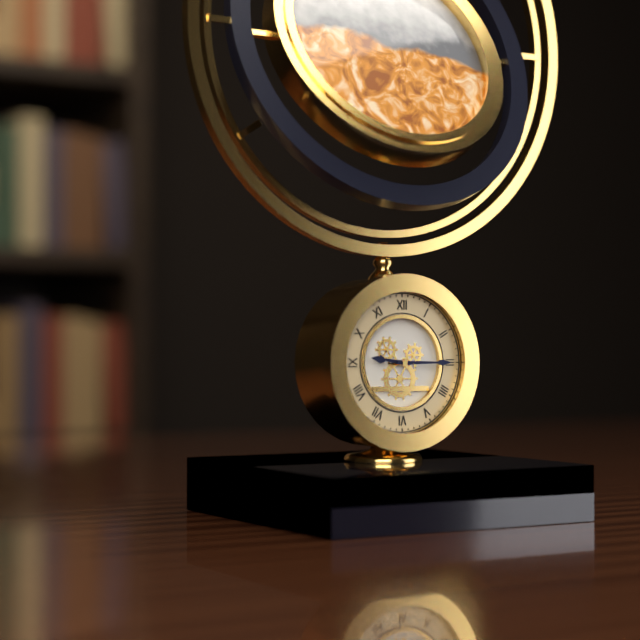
h=9 m=15
